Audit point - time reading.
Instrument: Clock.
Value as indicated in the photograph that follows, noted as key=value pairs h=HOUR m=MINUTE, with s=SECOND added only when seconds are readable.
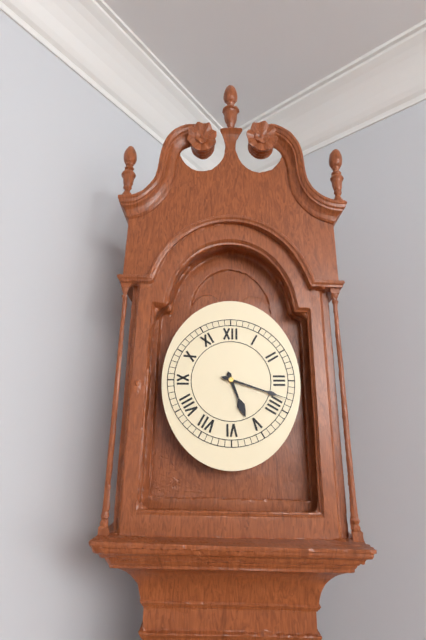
h=5 m=18
